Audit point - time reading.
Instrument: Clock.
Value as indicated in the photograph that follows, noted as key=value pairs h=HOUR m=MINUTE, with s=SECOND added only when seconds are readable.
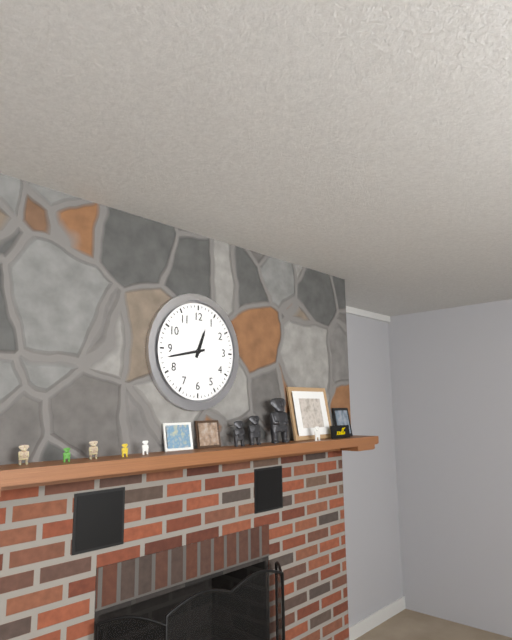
h=12 m=43
